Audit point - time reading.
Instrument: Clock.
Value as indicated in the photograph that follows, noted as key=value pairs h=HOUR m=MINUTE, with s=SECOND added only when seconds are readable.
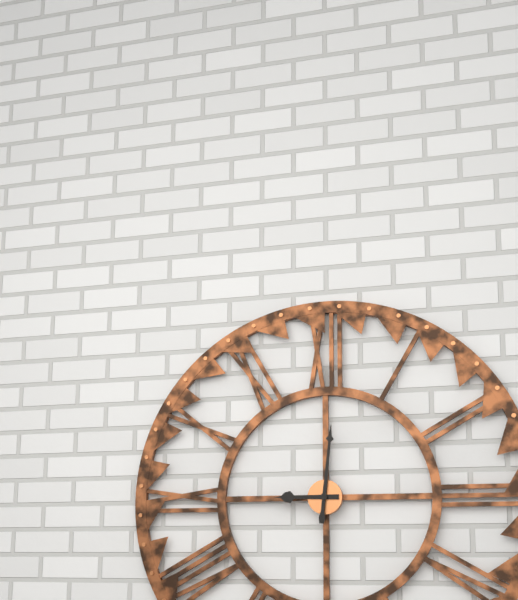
h=9 m=1
